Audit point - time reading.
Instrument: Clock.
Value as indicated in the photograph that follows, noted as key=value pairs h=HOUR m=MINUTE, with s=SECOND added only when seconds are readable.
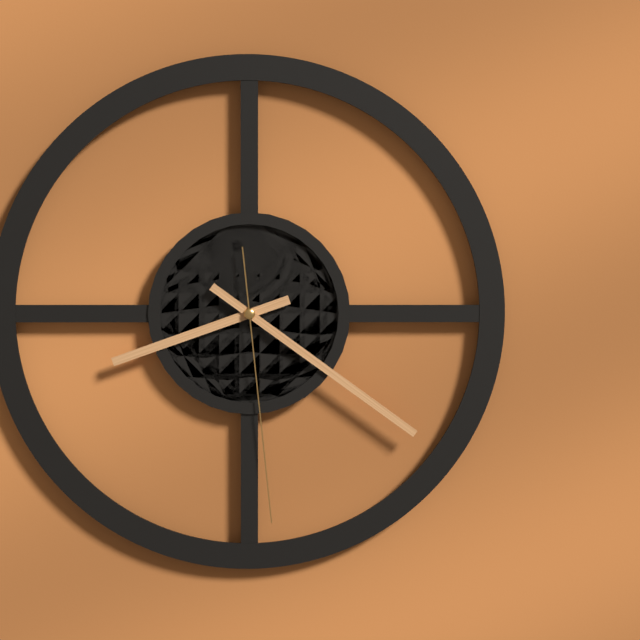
h=8 m=21 s=29
